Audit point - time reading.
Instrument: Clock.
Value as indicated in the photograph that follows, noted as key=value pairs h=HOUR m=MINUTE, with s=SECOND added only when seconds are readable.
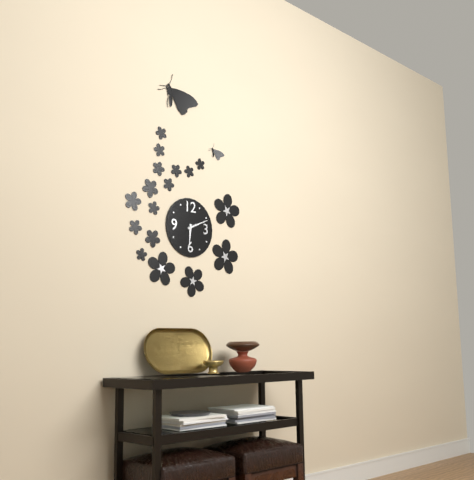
h=6 m=11
